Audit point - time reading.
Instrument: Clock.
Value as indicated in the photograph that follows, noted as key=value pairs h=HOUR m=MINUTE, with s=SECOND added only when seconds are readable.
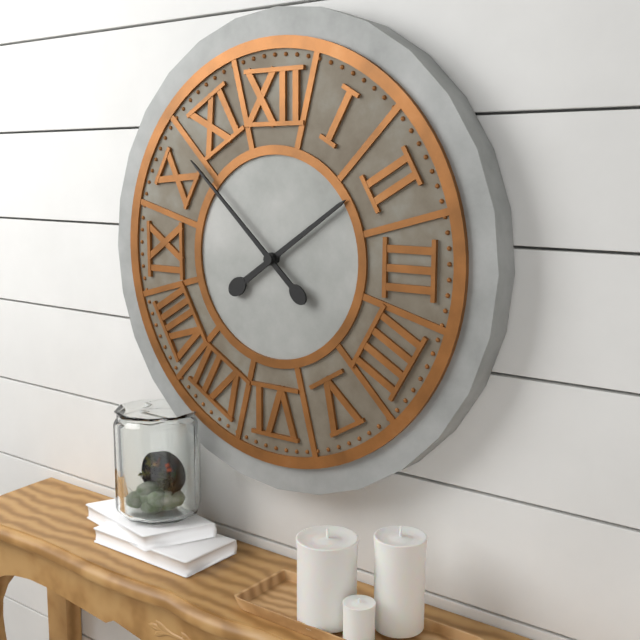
h=1 m=52
